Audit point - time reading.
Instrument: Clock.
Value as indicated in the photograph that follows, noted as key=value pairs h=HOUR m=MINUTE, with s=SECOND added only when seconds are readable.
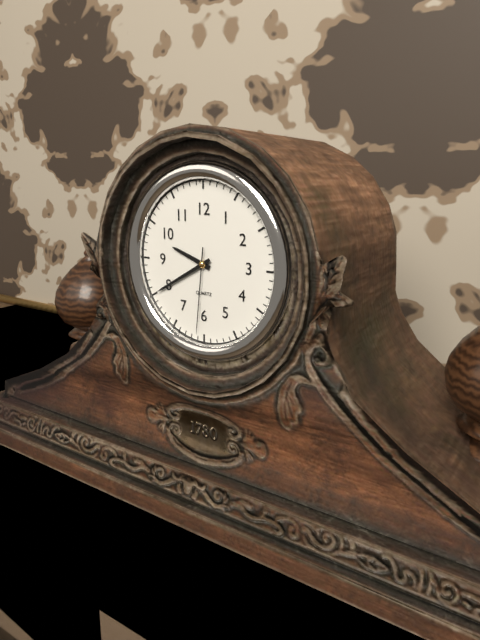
h=9 m=40 s=31
